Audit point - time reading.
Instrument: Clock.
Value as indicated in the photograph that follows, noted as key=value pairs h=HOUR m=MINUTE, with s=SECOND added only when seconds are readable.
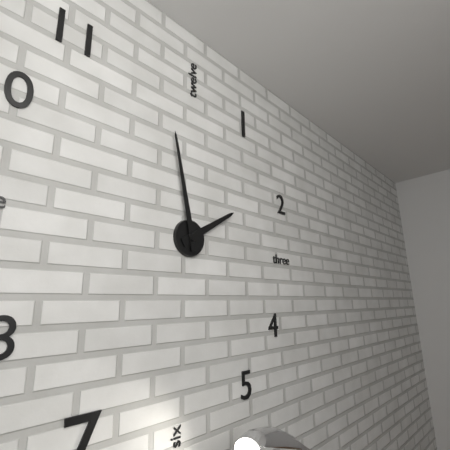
h=1 m=58
